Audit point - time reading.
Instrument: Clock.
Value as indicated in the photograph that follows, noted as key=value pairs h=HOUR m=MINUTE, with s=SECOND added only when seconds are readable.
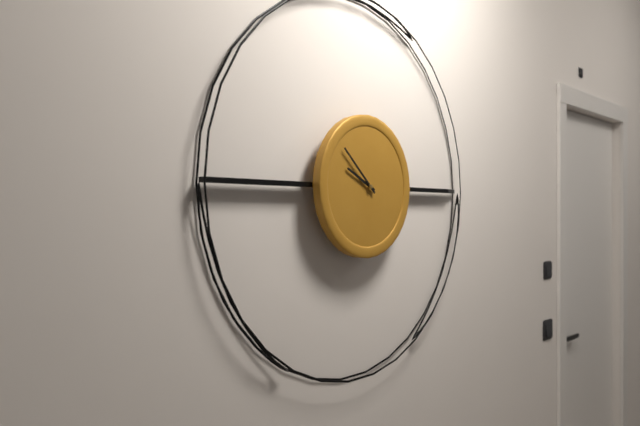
h=9 m=52
